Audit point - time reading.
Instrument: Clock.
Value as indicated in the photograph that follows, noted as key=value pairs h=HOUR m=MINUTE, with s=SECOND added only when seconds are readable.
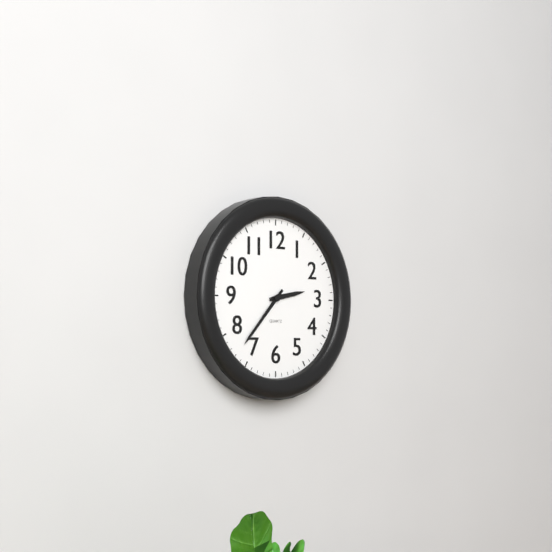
h=2 m=37
